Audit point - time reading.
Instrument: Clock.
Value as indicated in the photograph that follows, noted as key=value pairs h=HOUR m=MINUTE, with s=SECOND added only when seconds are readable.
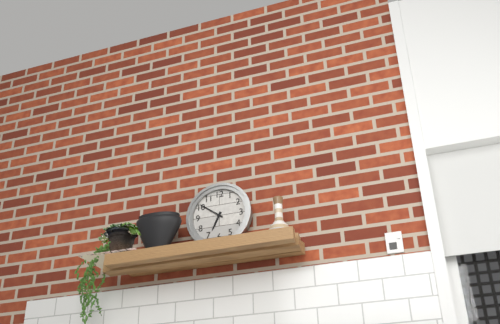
h=6 m=51
